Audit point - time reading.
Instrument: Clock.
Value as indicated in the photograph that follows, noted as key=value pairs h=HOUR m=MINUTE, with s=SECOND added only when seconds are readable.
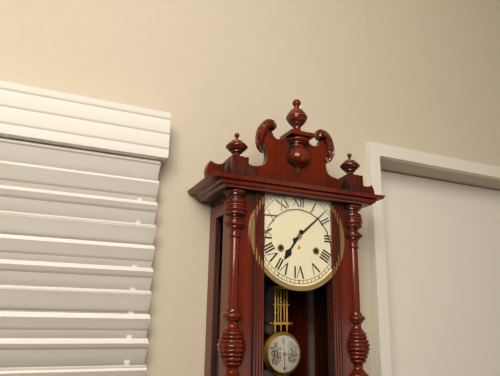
h=7 m=8
